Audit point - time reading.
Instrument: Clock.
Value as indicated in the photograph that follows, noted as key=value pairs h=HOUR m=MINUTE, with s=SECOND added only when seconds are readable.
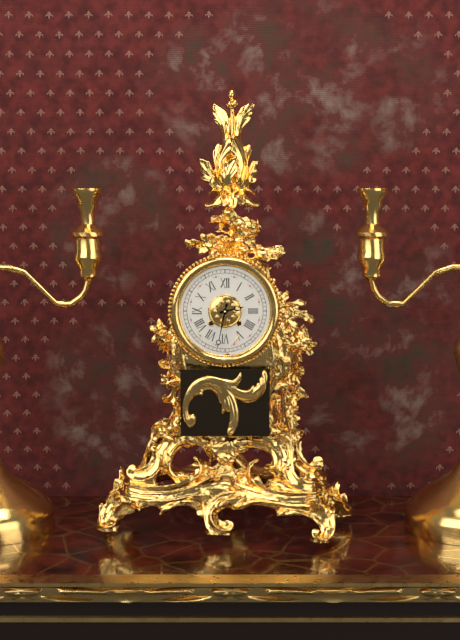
h=2 m=32
